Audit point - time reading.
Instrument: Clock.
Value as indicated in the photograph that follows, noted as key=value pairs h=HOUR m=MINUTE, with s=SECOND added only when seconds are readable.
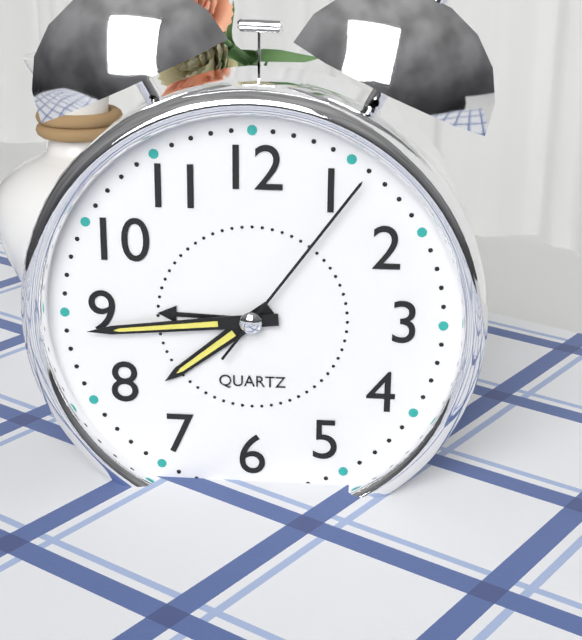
h=7 m=44 s=6
